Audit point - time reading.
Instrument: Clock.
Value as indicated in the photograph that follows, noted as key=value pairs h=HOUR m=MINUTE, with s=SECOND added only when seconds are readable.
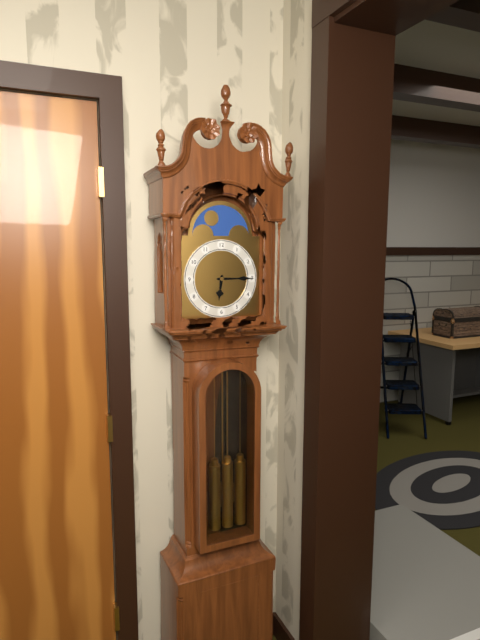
h=6 m=15
